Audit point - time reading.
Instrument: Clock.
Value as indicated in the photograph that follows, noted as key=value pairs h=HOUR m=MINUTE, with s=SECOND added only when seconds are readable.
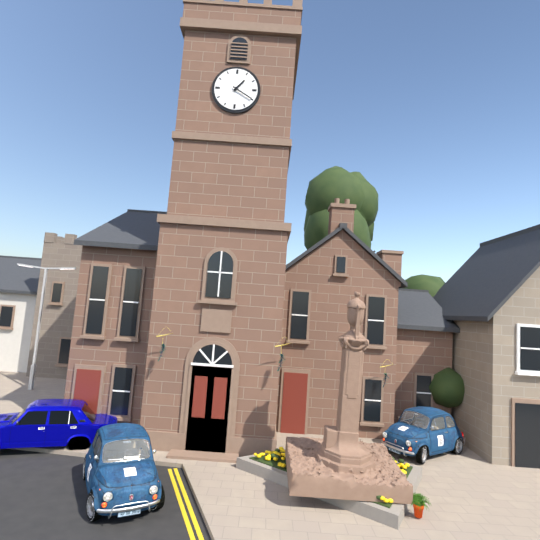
h=1 m=20
